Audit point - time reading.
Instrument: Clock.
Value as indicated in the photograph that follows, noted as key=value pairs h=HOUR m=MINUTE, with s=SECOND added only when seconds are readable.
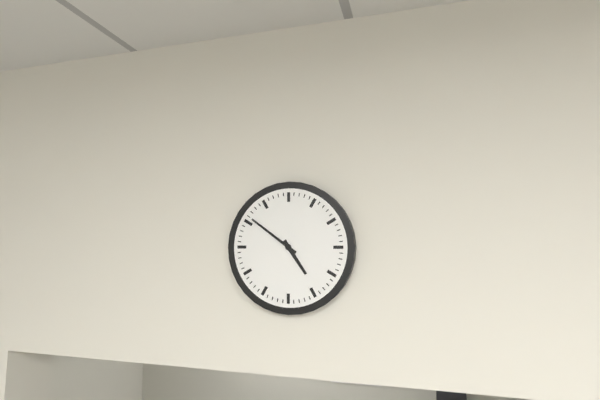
h=4 m=51
